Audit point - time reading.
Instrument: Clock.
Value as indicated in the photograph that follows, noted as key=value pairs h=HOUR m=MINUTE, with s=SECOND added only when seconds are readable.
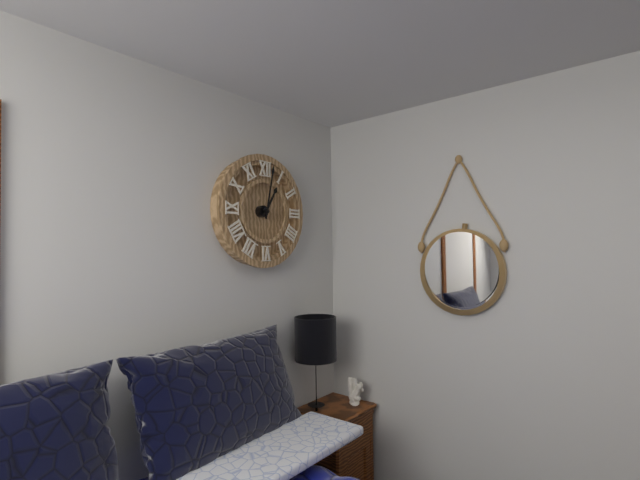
h=1 m=2
